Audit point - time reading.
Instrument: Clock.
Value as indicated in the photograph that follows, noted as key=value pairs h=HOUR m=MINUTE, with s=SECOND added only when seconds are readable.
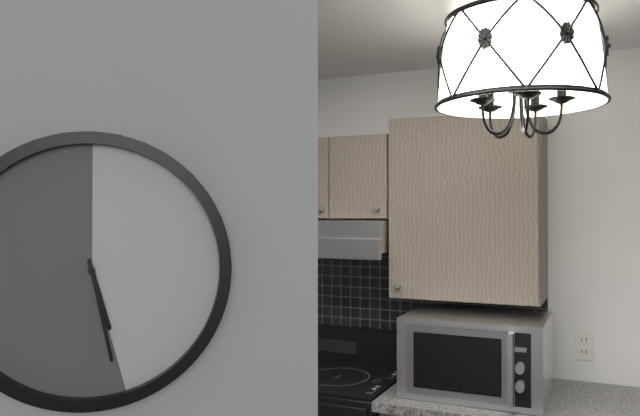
h=5 m=28
